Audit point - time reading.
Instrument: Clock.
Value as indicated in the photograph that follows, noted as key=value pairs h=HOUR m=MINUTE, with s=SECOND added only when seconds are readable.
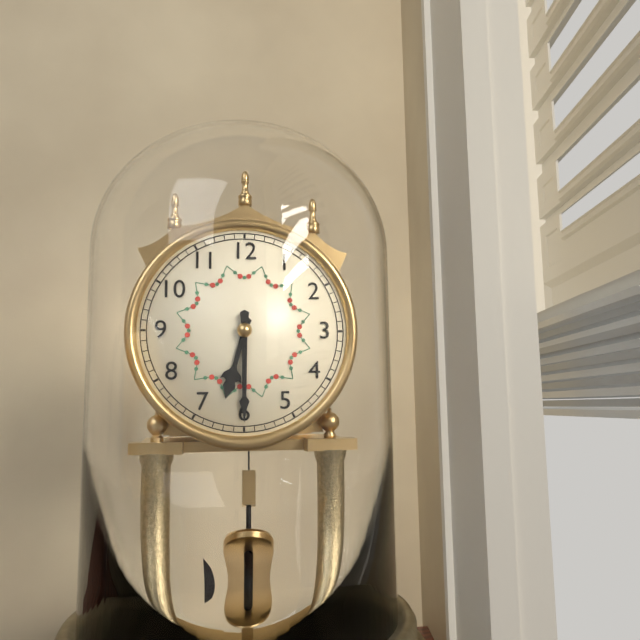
h=6 m=30
